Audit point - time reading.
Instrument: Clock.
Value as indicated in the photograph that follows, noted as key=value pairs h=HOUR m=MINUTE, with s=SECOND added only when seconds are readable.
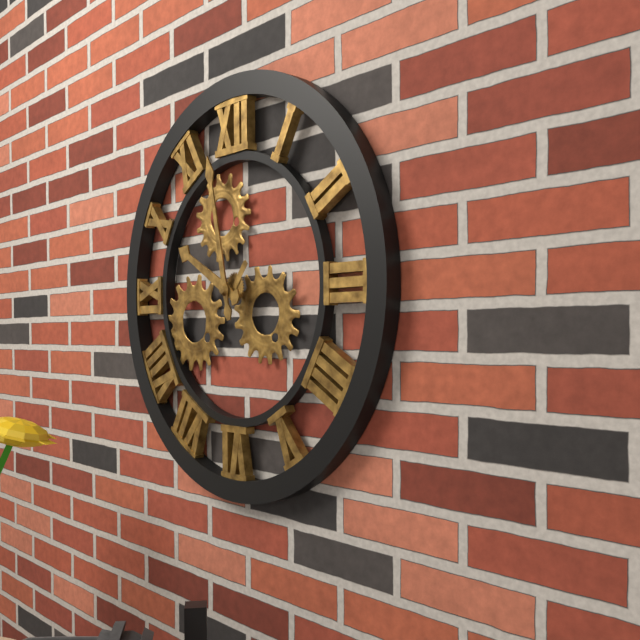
h=9 m=58
